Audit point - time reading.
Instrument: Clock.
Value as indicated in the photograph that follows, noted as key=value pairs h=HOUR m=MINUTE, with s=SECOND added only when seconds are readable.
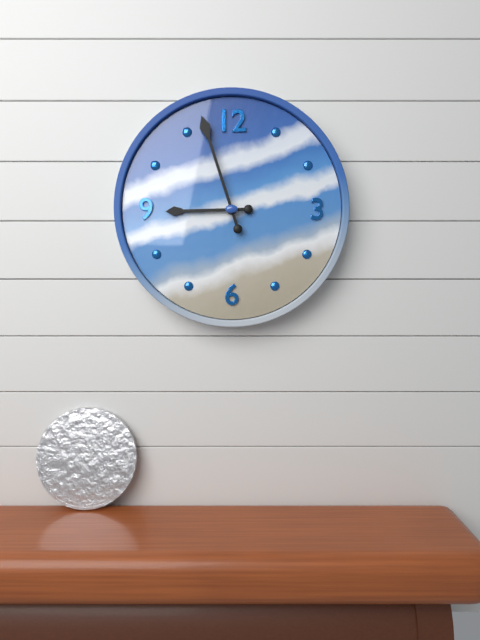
h=8 m=57
